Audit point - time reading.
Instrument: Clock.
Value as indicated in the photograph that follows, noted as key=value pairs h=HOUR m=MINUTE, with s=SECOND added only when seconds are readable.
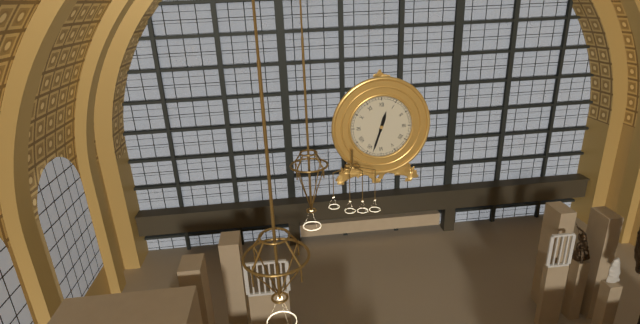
h=12 m=33
